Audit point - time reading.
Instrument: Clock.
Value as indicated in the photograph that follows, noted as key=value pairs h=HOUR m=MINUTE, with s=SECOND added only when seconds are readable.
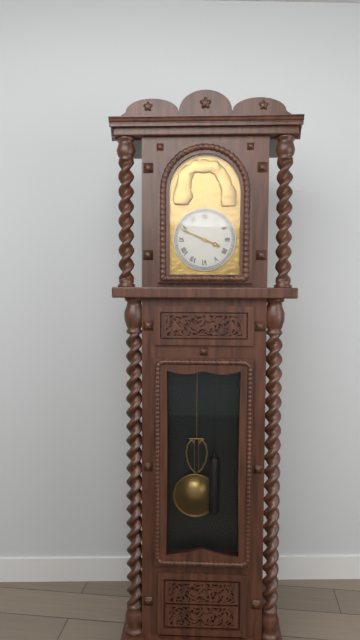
h=3 m=49
